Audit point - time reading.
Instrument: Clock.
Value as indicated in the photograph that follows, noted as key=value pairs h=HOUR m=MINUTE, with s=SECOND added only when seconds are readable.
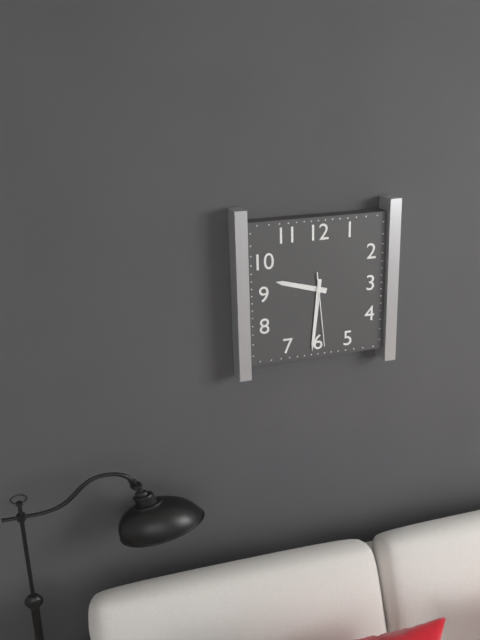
h=9 m=31 s=29
